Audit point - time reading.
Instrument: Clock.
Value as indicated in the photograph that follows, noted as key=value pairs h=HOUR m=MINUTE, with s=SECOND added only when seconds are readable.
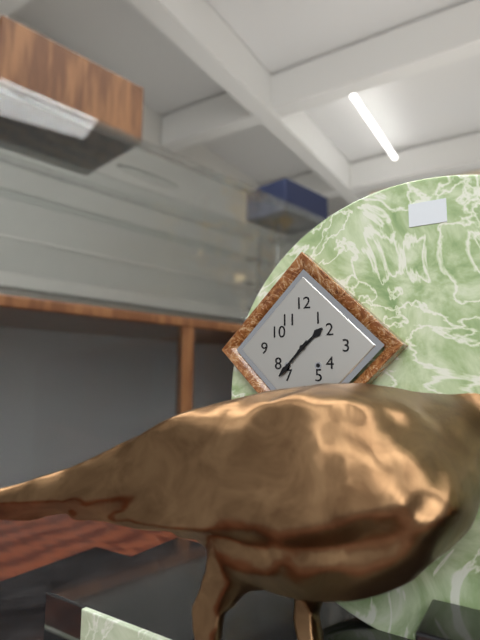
h=1 m=37
